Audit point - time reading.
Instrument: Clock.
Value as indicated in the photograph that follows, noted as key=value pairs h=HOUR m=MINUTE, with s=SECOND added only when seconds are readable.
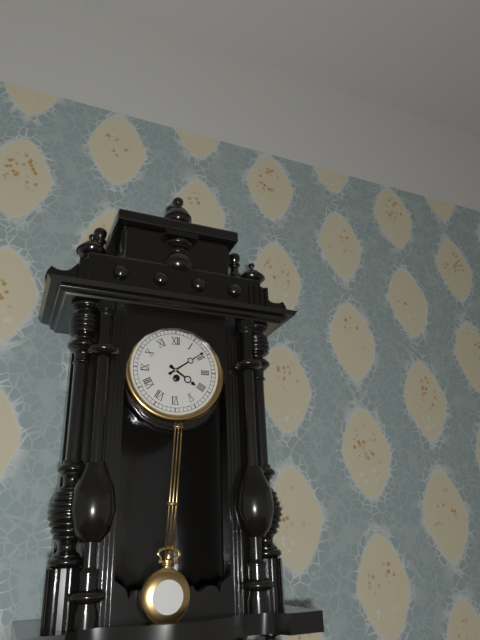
h=4 m=9
